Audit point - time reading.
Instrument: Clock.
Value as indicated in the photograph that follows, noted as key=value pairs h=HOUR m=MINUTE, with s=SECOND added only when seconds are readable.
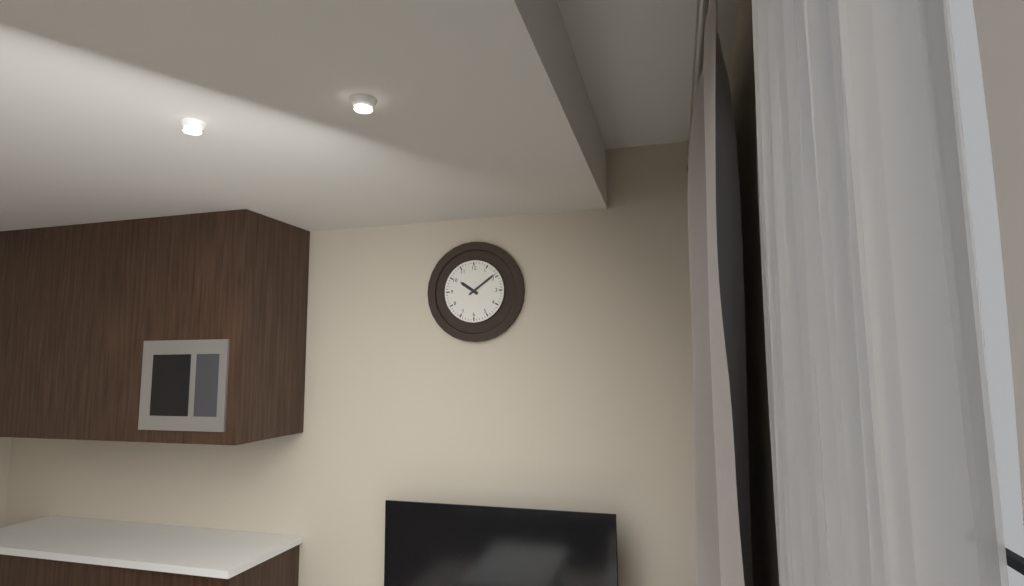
h=10 m=9
